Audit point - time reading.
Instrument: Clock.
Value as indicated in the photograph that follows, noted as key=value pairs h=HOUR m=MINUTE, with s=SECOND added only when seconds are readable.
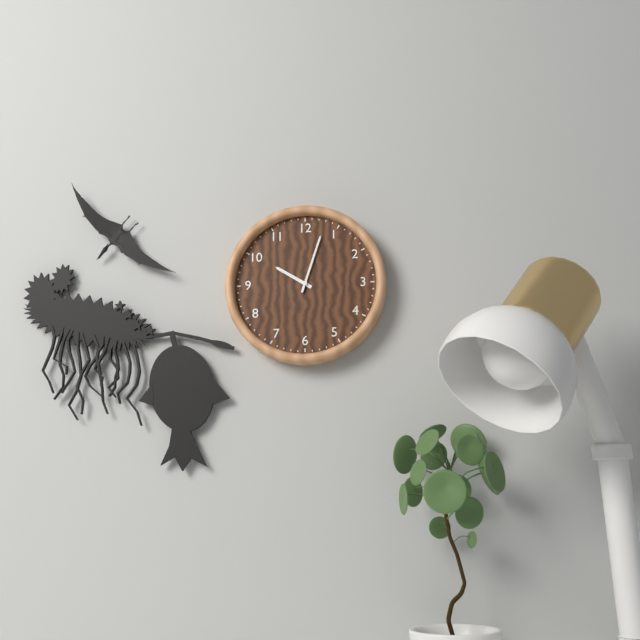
h=10 m=3
